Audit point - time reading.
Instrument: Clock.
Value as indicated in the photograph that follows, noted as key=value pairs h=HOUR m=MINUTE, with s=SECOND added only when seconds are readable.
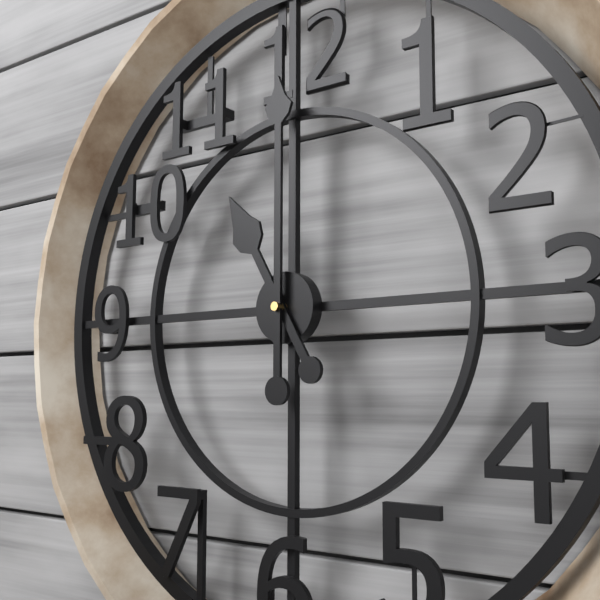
h=11 m=0
